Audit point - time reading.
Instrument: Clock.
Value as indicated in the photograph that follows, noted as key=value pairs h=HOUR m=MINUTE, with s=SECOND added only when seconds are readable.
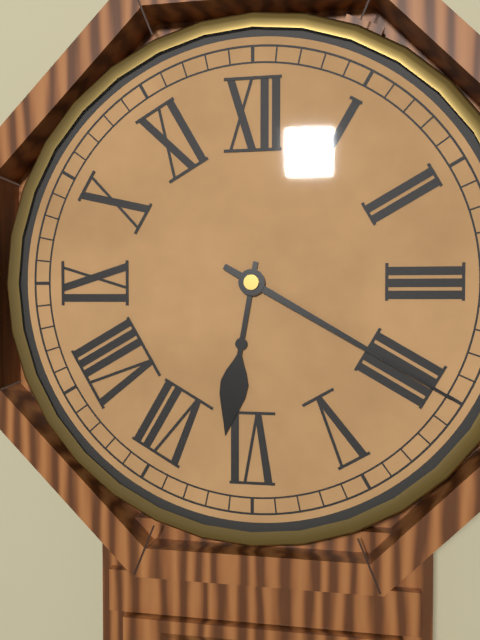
h=6 m=20
